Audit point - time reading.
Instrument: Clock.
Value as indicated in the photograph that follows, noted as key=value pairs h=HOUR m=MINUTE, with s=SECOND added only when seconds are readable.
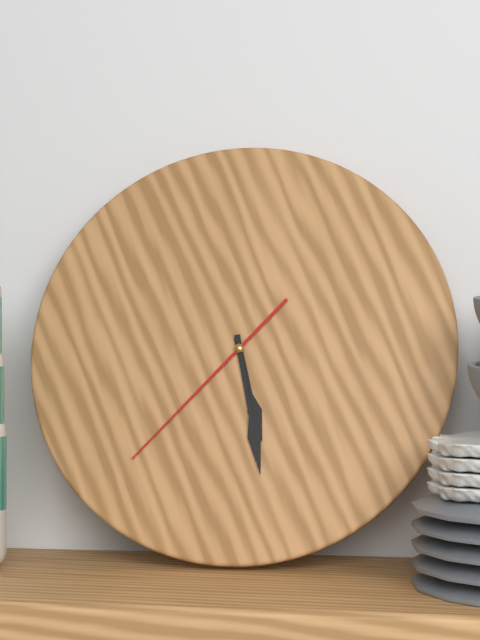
h=5 m=28 s=37
